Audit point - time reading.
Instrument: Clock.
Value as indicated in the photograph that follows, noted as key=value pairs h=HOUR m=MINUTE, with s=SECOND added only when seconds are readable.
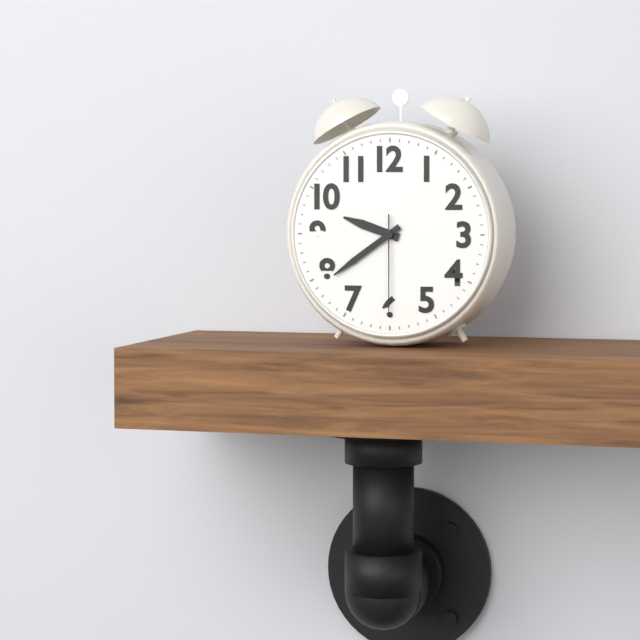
h=9 m=39 s=30
